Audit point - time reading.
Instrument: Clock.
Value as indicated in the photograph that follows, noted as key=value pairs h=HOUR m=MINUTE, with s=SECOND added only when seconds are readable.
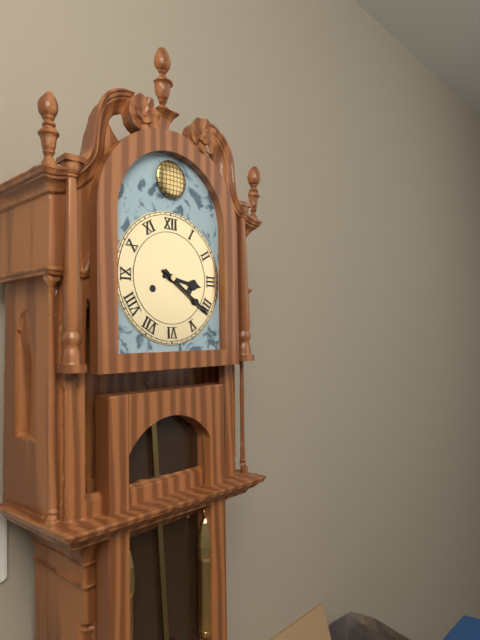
h=3 m=21
